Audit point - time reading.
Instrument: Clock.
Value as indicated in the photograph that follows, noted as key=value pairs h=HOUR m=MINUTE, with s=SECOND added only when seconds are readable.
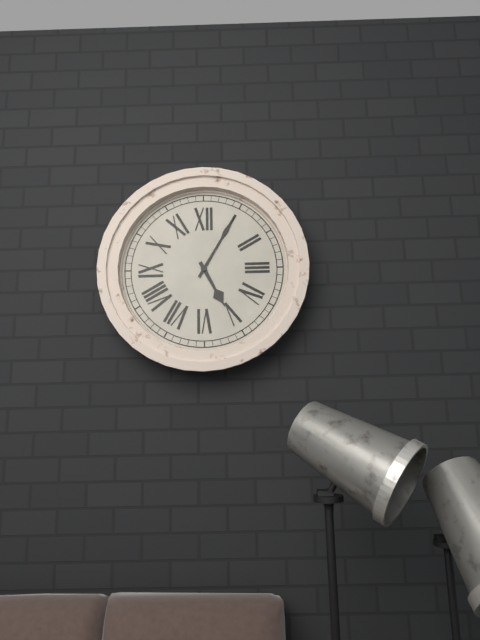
h=5 m=5
